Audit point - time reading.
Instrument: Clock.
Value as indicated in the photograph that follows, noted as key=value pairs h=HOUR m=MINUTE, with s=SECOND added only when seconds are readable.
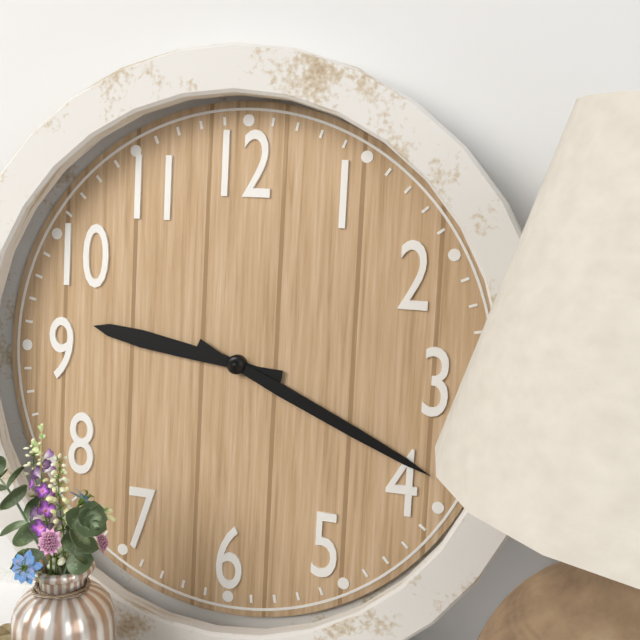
h=9 m=19
